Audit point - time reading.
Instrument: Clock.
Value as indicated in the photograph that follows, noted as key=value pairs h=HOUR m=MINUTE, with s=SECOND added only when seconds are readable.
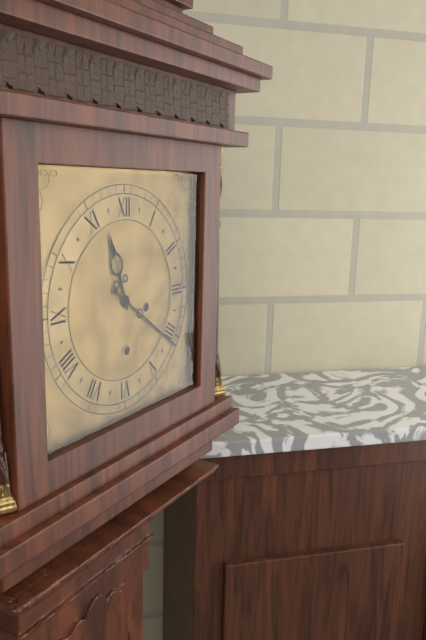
h=11 m=21
